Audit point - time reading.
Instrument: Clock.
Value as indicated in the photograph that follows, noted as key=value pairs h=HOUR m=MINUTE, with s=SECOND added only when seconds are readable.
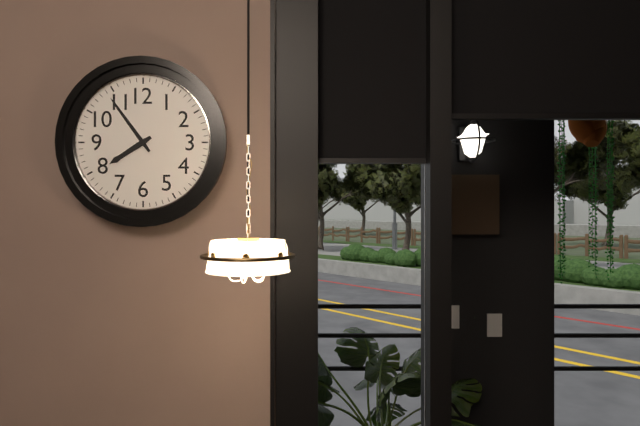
h=7 m=54
